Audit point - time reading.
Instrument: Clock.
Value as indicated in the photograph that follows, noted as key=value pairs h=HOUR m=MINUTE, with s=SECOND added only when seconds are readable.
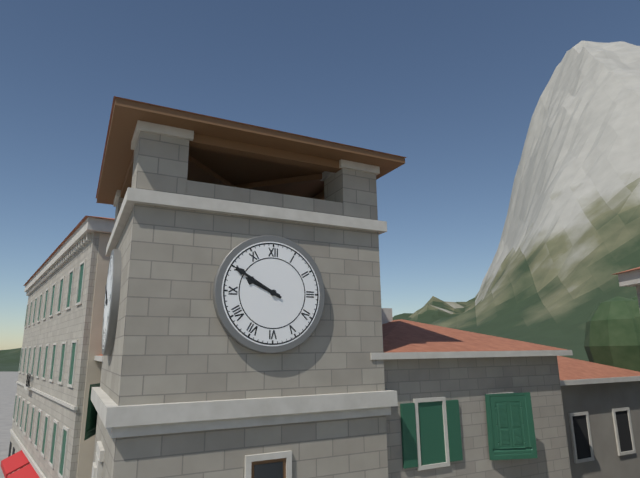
h=9 m=50
